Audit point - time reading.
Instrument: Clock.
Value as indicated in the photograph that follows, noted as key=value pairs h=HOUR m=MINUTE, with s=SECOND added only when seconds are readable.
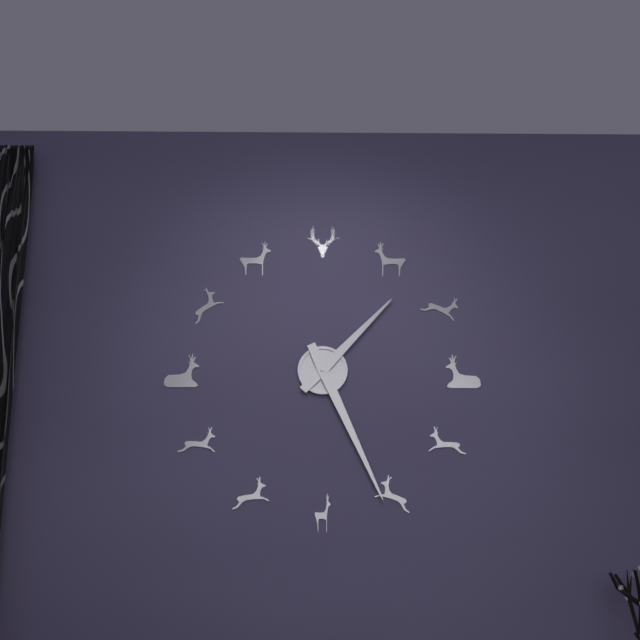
h=1 m=26
